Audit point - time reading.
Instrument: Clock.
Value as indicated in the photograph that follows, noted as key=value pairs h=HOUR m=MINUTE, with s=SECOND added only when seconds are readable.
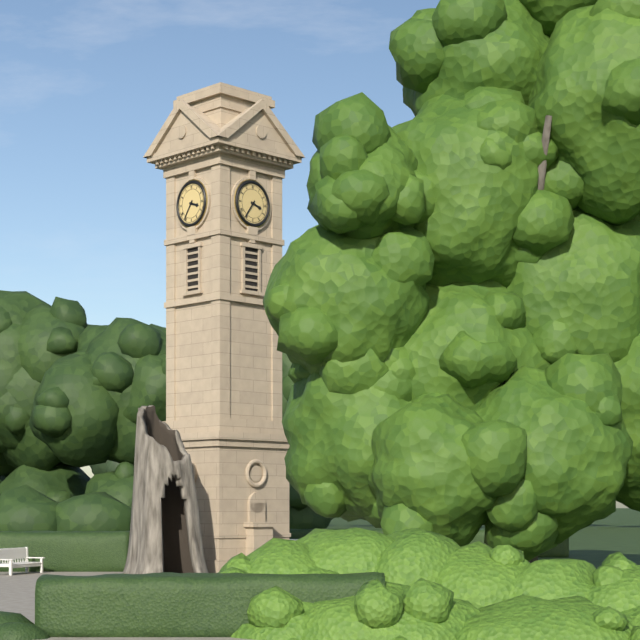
h=3 m=36
